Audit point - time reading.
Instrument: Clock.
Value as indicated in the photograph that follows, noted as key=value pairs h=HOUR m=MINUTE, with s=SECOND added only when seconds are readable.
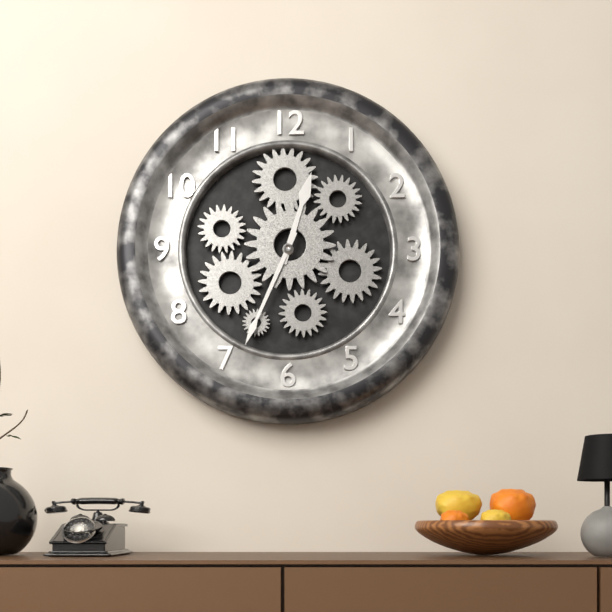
h=12 m=34
